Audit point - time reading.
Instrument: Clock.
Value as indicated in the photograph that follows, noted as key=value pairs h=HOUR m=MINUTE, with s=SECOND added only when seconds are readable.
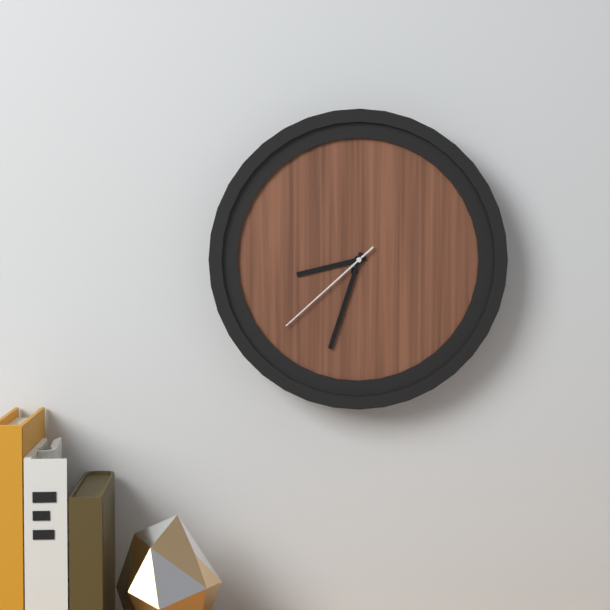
h=8 m=33 s=38
